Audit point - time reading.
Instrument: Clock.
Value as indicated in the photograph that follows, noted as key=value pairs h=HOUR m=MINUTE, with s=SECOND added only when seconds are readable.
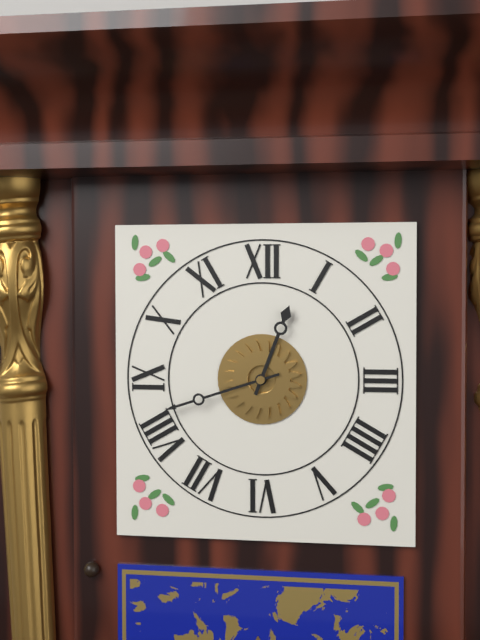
h=12 m=42
